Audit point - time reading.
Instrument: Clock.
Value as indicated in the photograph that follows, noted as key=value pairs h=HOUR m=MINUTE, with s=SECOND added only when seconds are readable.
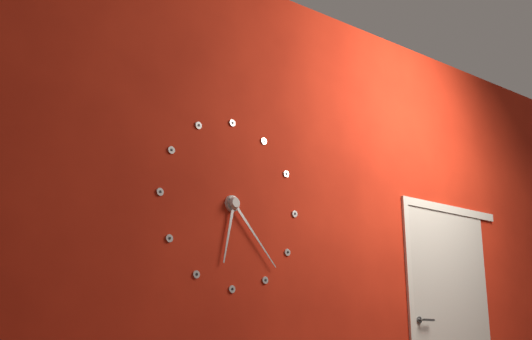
h=6 m=23
